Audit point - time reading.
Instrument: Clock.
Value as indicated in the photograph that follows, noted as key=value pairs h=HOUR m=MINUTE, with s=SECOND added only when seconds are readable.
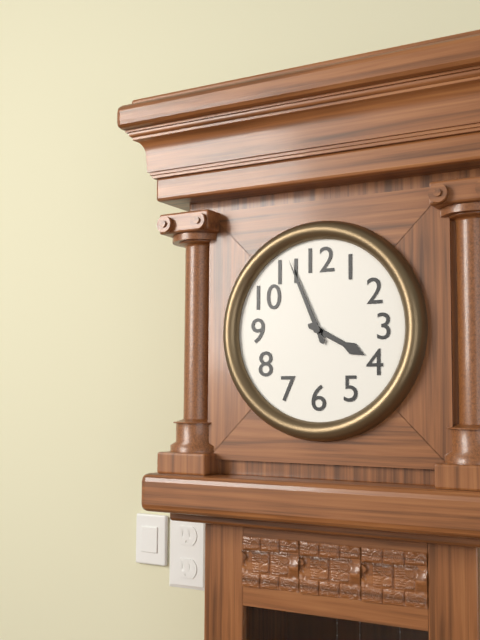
h=3 m=56
